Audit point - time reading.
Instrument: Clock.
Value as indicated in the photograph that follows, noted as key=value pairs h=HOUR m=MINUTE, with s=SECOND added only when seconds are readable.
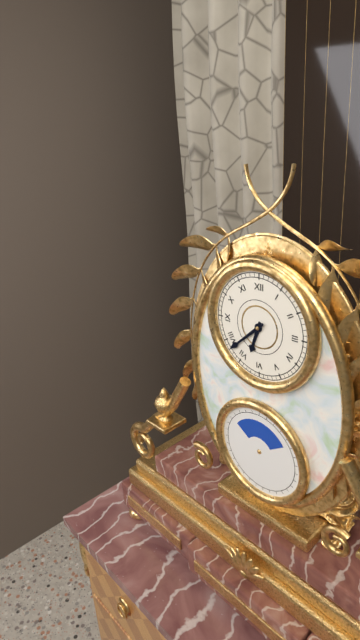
h=6 m=38
